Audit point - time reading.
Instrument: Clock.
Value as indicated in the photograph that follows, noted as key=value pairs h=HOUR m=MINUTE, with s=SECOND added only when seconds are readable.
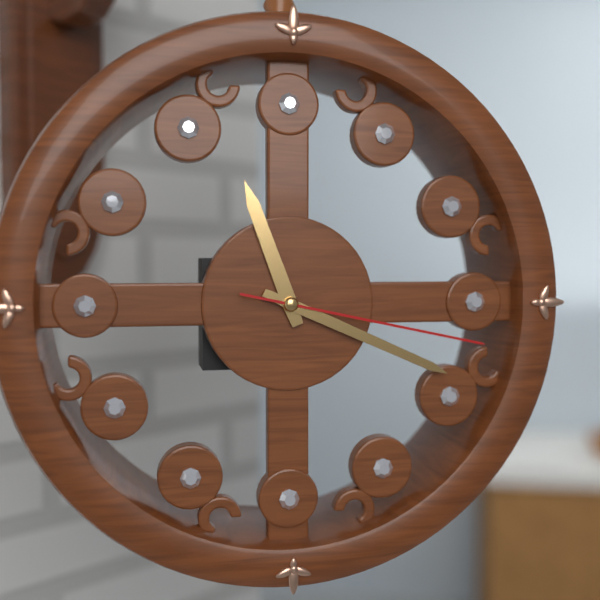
h=11 m=19 s=17
